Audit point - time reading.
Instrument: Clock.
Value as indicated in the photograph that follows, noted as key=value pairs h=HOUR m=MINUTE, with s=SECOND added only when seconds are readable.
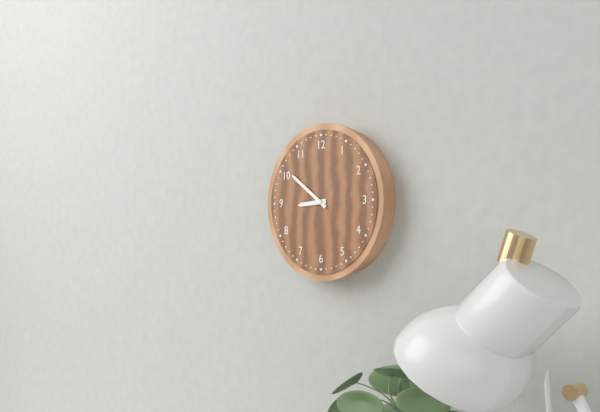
h=8 m=51
